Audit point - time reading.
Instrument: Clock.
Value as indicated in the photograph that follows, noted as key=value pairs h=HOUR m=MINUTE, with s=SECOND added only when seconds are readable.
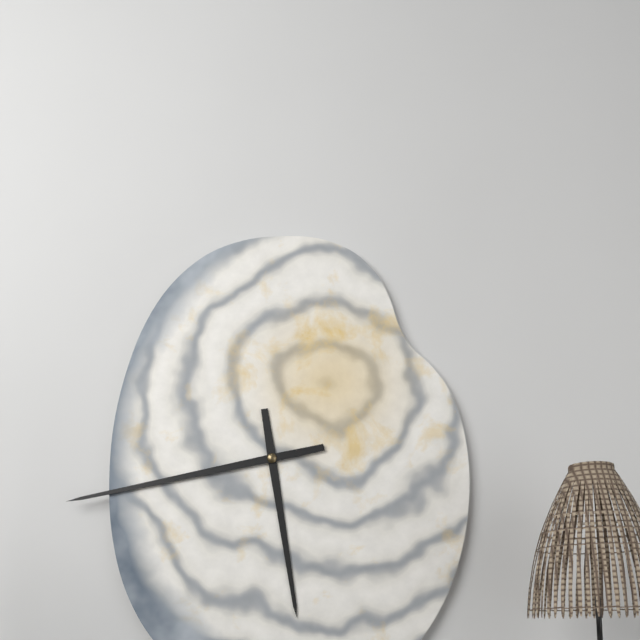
h=5 m=43
